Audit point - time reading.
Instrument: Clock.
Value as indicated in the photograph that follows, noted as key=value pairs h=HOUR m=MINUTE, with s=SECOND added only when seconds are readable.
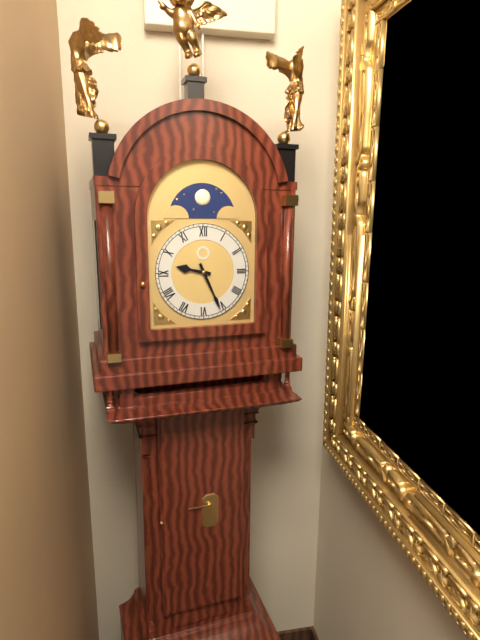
h=9 m=26
